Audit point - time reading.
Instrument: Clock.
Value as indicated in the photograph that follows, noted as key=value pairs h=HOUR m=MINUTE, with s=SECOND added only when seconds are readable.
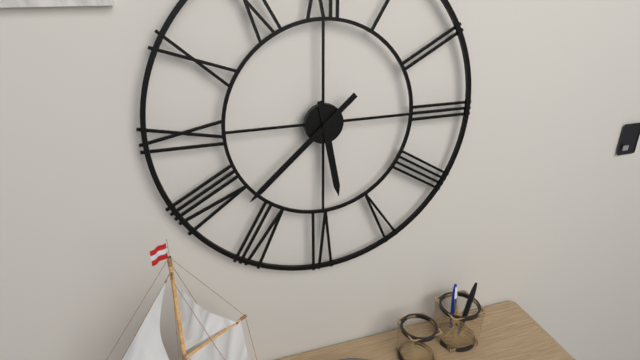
h=5 m=38
